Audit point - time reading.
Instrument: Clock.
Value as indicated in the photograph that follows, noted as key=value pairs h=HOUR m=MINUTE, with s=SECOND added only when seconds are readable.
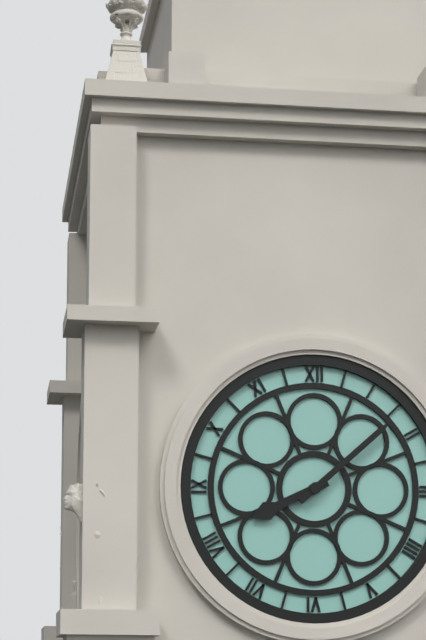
h=8 m=8
